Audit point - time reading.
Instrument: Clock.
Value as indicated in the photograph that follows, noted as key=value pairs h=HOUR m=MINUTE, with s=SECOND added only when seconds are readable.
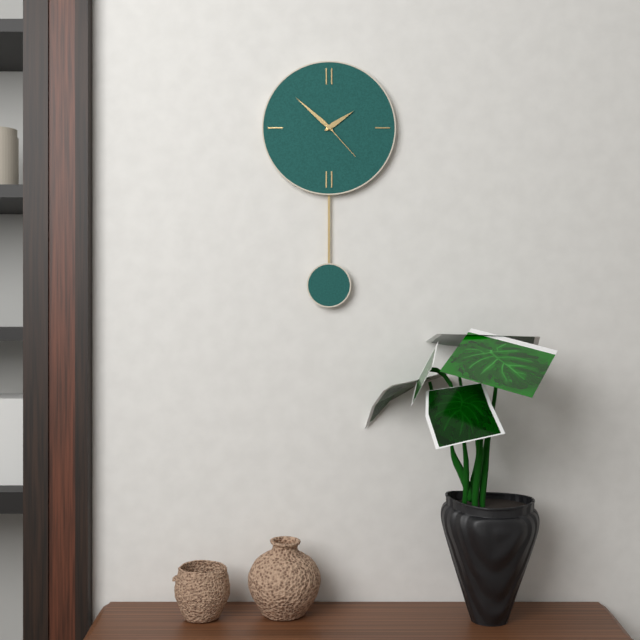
h=1 m=52
